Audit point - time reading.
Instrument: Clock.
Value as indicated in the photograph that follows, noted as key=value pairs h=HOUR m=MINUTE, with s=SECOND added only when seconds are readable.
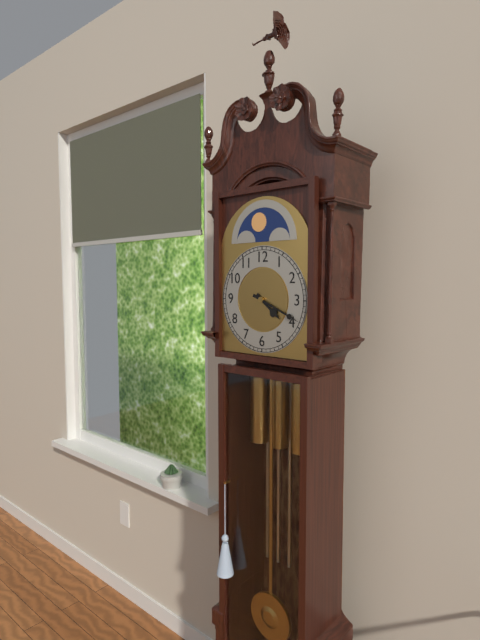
h=4 m=19
